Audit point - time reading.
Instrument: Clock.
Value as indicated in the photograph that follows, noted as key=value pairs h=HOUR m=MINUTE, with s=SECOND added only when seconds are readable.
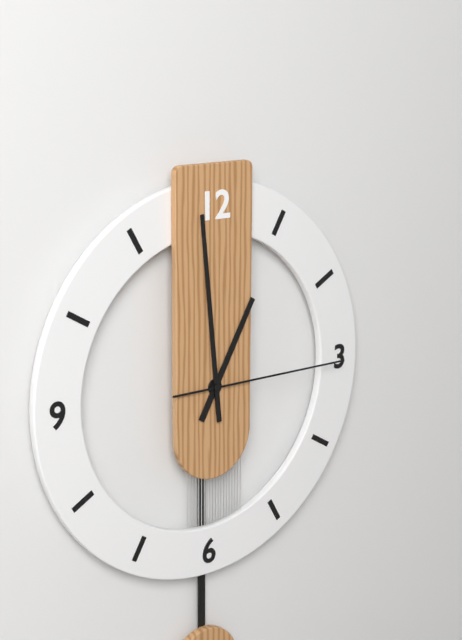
h=12 m=59 s=15
